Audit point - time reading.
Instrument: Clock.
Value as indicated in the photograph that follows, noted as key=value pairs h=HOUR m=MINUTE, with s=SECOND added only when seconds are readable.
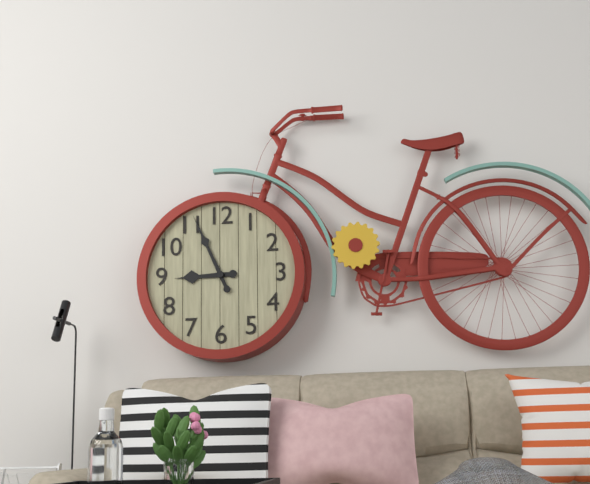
h=8 m=56
